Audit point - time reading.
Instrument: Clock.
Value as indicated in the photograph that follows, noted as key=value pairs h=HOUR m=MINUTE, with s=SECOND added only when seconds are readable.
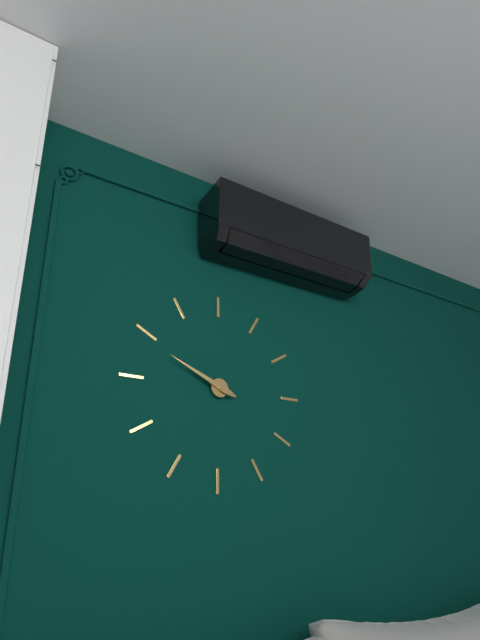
h=9 m=49
